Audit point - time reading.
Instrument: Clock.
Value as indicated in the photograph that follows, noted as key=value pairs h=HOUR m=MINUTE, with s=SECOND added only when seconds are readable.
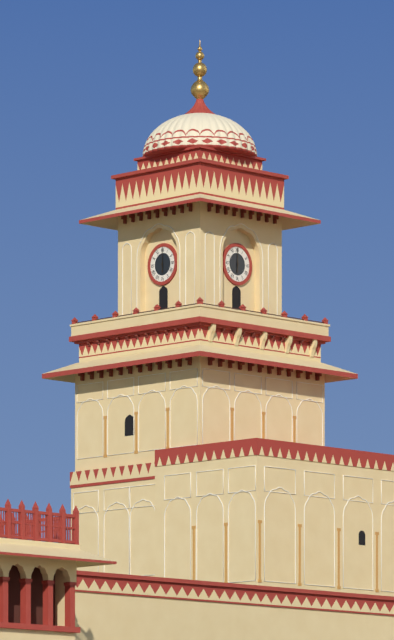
h=6 m=0
